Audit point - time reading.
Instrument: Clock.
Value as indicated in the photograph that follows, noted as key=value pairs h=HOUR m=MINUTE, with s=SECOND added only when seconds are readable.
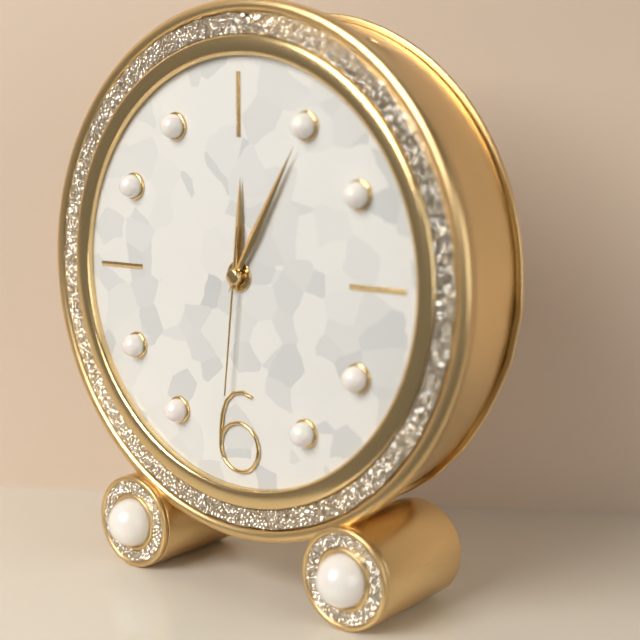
h=12 m=5 s=31
